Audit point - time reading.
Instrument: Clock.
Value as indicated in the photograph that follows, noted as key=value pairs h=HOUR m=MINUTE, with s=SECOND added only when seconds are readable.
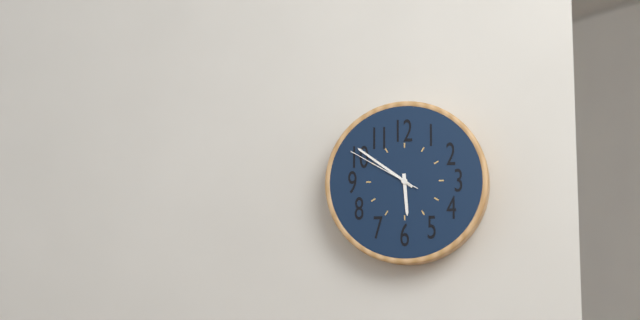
h=5 m=51 s=50
